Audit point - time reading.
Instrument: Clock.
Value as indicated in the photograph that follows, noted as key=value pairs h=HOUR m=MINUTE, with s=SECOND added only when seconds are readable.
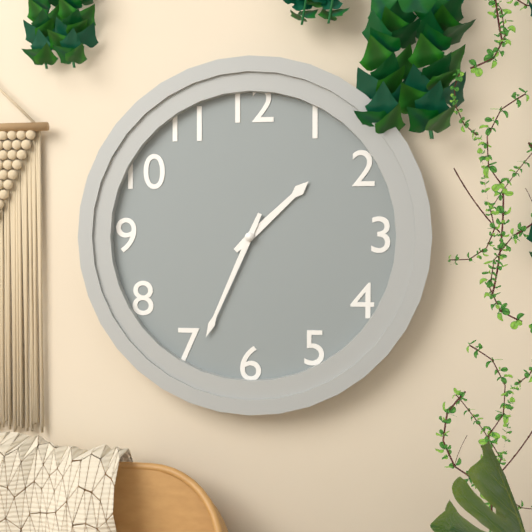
h=1 m=34
